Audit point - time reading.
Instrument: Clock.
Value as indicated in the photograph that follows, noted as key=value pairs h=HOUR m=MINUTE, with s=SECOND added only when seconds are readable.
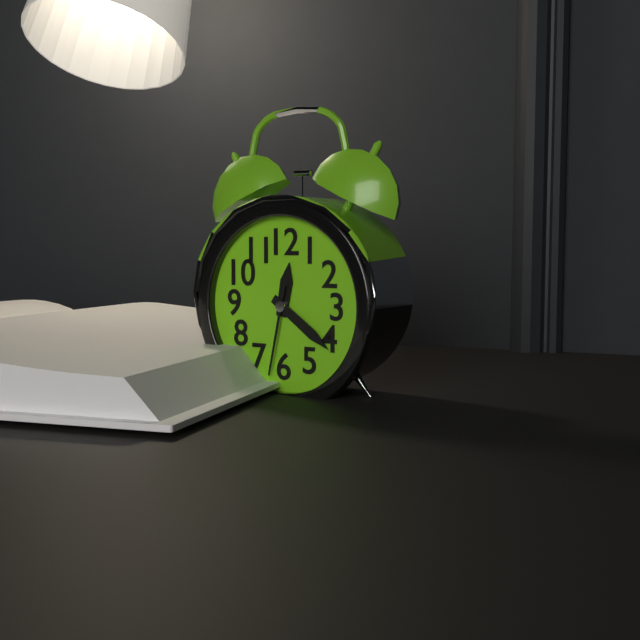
h=12 m=21 s=32
